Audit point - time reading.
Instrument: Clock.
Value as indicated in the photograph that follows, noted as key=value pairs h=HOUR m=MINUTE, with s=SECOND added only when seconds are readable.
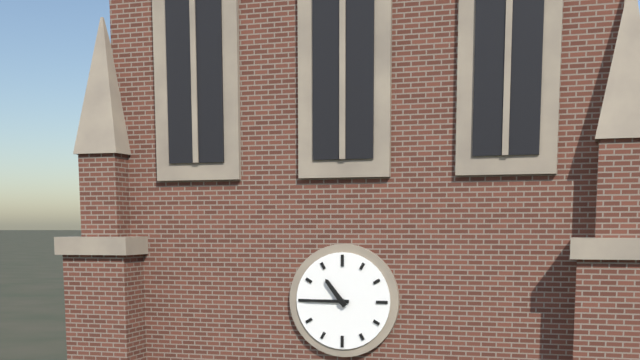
h=10 m=45
